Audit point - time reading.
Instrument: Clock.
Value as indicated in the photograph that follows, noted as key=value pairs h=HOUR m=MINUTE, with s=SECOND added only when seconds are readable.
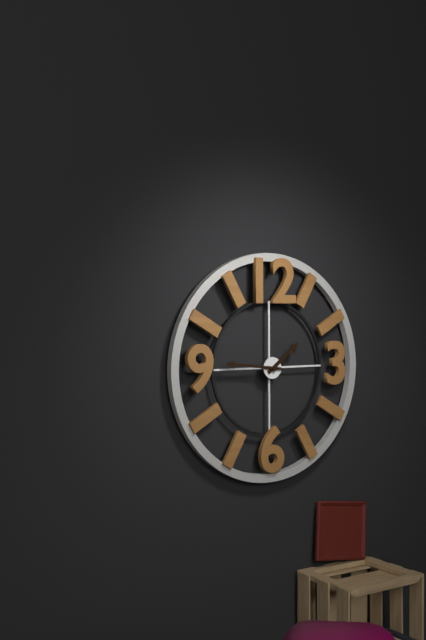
h=1 m=46
